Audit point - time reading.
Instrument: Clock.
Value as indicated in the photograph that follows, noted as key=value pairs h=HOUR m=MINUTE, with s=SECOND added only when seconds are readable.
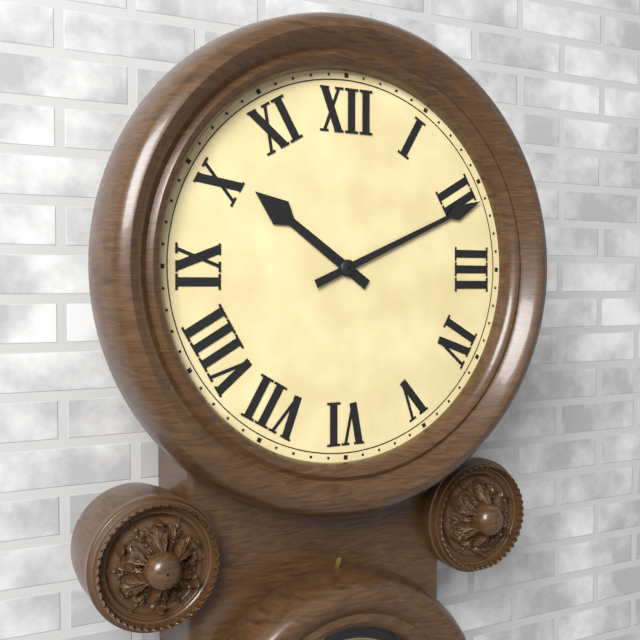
h=10 m=11
